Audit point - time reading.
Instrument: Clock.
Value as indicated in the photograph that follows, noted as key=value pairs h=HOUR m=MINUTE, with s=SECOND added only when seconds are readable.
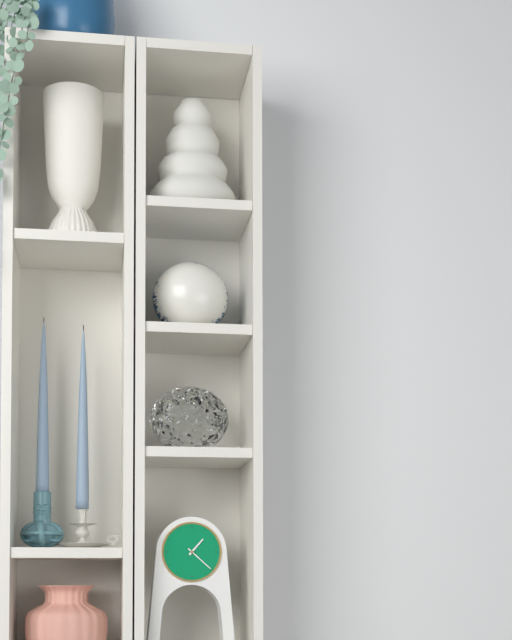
h=1 m=22
